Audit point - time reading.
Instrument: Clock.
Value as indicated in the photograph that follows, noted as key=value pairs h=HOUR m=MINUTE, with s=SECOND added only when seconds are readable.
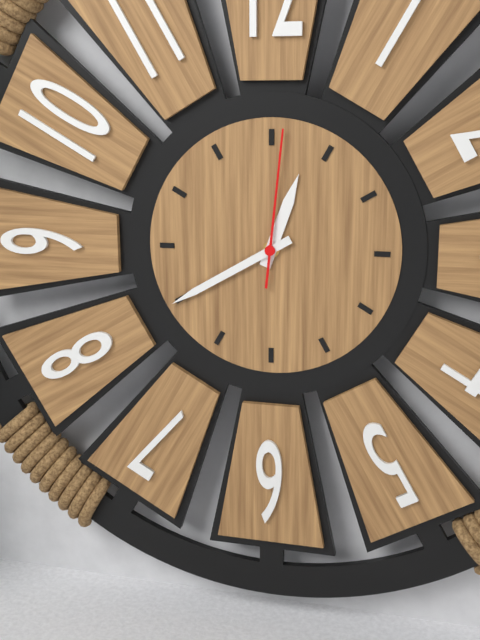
h=12 m=40 s=1
